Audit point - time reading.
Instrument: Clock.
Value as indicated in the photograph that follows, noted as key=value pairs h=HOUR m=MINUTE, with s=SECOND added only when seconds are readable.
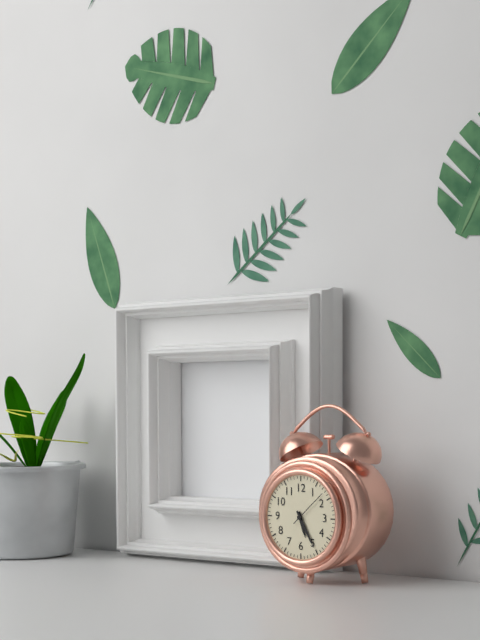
h=5 m=25
